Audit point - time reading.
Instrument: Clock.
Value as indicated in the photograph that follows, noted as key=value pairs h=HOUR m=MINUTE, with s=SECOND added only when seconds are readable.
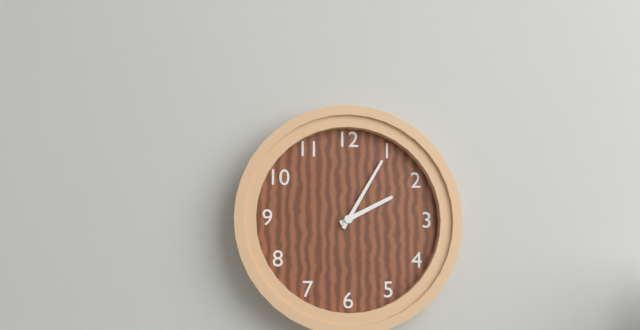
h=2 m=5
